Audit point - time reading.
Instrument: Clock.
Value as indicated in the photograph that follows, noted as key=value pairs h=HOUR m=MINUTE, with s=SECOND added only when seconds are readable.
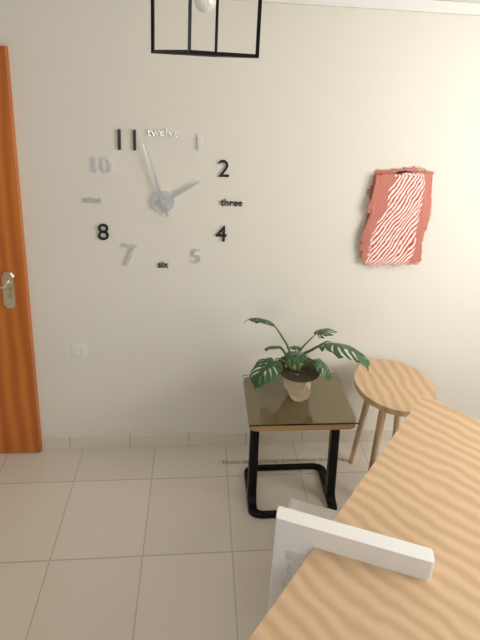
h=1 m=57
